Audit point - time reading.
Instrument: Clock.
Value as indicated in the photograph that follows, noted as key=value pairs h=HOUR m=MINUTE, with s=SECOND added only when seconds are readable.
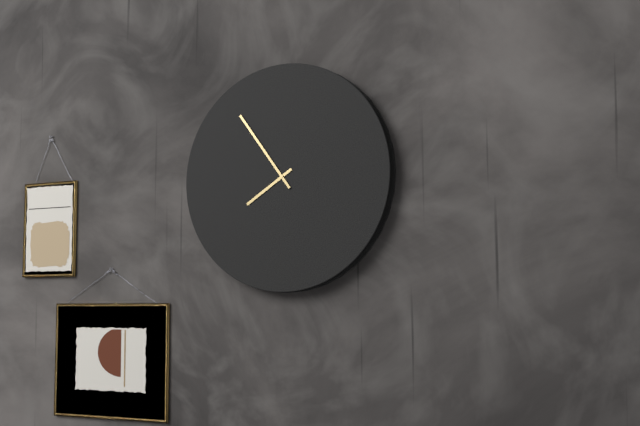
h=7 m=54
